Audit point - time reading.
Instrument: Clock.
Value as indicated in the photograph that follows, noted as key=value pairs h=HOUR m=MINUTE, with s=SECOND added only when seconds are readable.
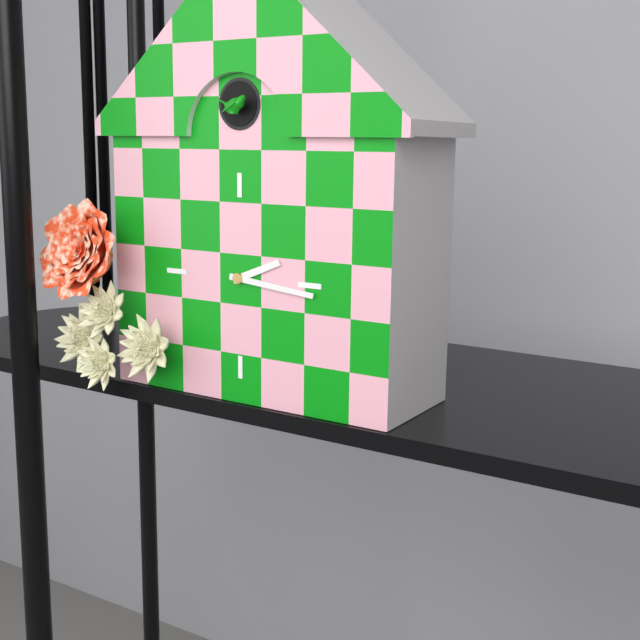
h=2 m=16
